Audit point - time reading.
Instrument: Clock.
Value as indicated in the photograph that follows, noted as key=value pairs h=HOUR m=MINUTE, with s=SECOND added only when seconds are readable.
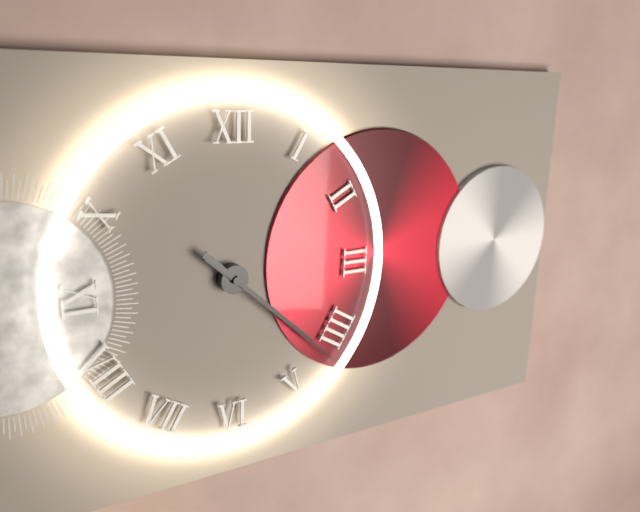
h=4 m=22
